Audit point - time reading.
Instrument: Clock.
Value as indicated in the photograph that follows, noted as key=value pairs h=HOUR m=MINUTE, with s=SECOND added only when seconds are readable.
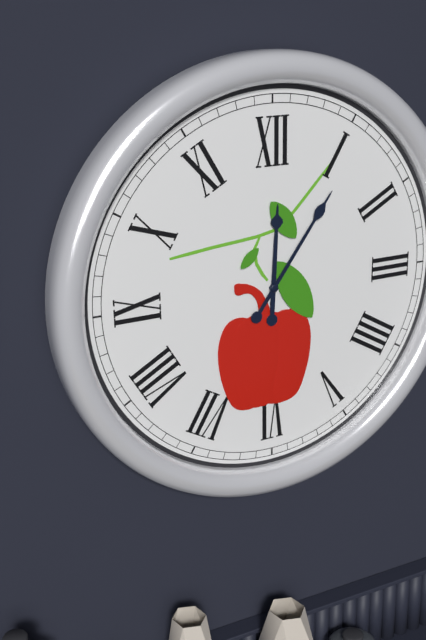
h=12 m=6
